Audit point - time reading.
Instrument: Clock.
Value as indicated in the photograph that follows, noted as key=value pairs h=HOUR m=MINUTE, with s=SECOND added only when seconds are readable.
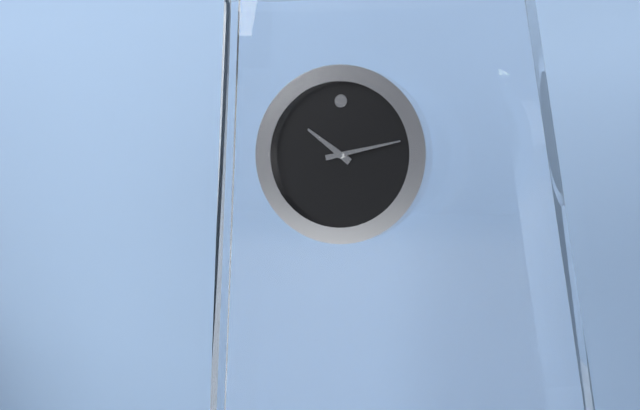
h=10 m=13
